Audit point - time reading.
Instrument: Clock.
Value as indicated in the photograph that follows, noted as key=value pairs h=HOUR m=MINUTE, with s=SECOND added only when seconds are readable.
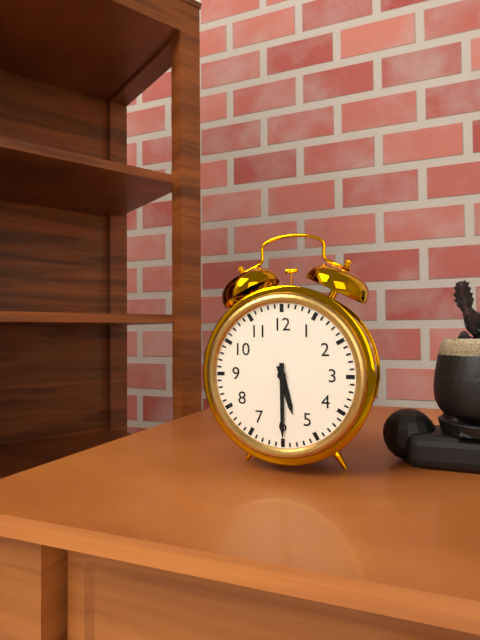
h=5 m=30
